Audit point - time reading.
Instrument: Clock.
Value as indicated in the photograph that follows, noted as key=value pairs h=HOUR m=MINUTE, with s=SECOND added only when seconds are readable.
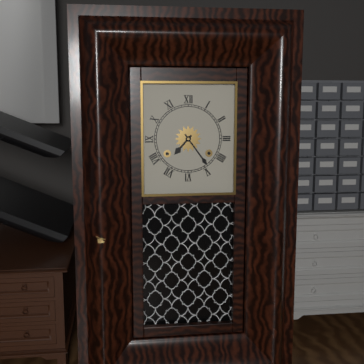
h=7 m=24
